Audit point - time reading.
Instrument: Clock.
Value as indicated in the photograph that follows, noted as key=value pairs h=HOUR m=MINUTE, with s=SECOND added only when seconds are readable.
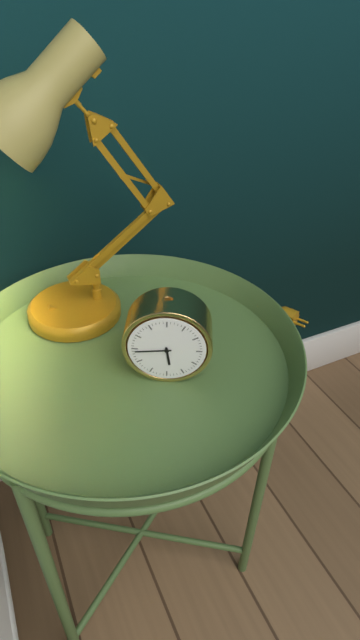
h=5 m=44
